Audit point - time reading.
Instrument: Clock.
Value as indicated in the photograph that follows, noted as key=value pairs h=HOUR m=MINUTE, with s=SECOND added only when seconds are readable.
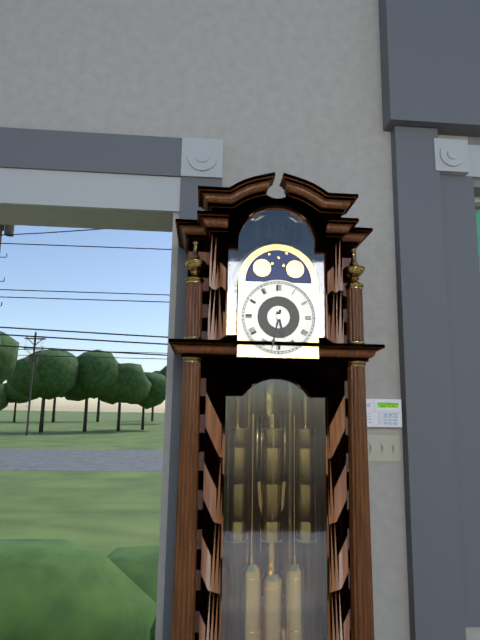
h=5 m=32
